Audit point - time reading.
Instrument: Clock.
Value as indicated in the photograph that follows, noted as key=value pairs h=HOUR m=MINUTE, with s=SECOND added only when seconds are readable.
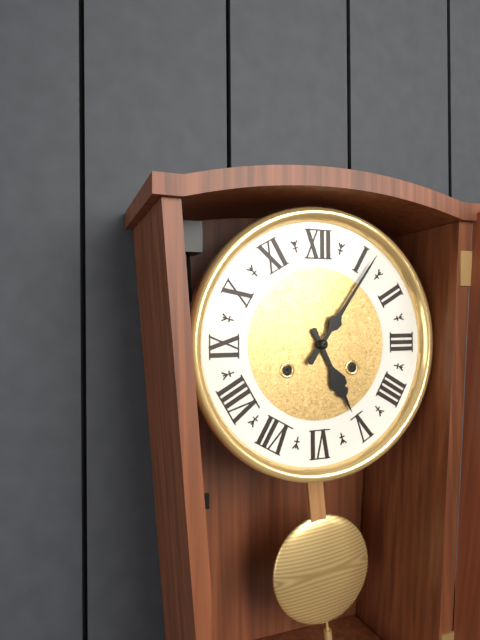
h=5 m=6
